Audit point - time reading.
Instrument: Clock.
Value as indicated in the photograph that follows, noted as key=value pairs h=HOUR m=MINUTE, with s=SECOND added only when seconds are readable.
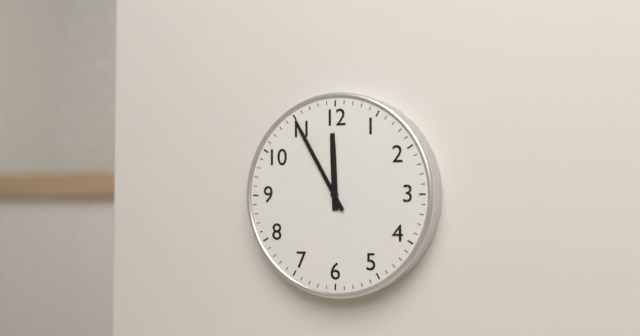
h=11 m=55
